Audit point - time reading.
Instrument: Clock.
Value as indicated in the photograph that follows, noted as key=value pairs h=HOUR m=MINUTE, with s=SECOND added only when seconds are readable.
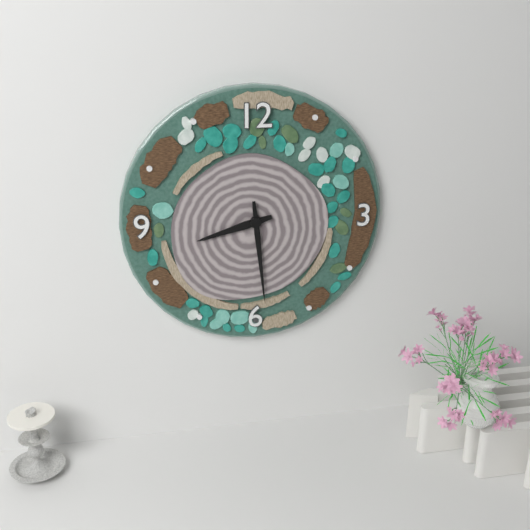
h=8 m=29
